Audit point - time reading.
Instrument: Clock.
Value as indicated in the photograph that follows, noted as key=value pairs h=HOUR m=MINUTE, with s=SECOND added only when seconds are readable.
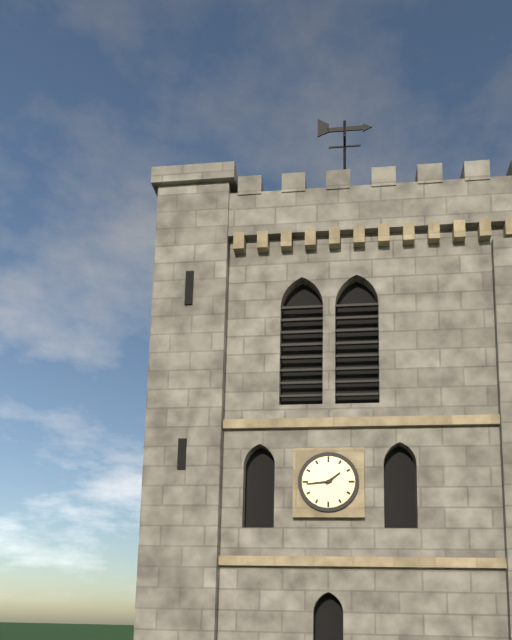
h=1 m=44
